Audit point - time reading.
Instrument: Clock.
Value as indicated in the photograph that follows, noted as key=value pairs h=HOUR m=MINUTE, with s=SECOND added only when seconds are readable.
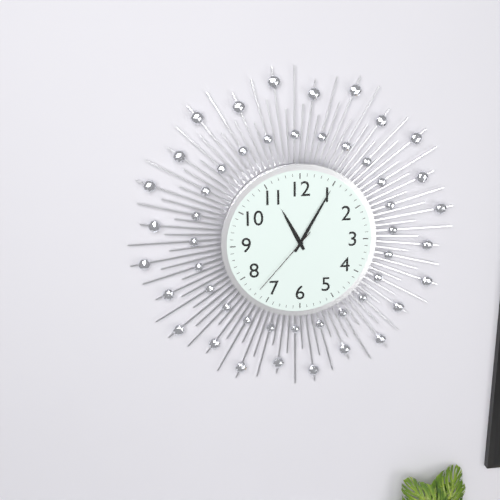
h=11 m=5 s=37
